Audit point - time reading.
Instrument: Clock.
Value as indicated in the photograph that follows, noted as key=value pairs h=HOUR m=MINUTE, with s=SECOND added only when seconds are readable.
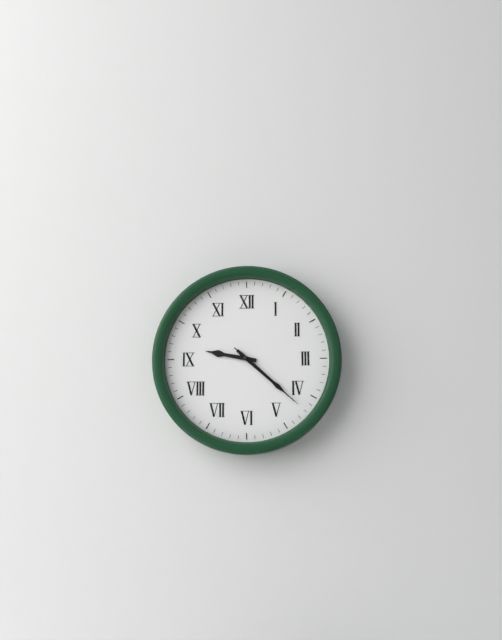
h=9 m=22 s=22
